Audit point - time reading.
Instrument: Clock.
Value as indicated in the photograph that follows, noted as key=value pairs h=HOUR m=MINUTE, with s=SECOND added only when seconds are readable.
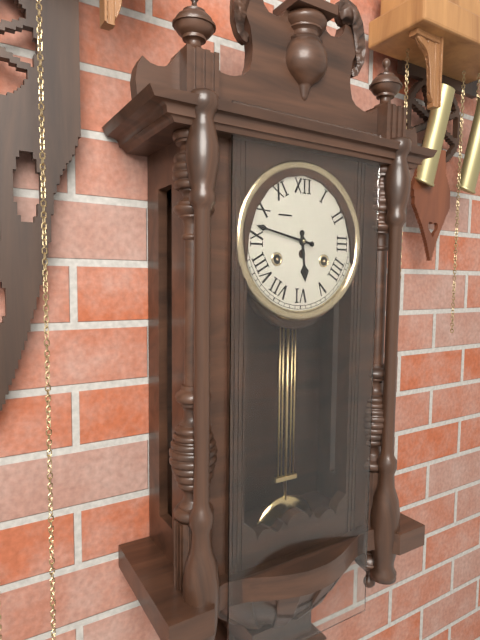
h=5 m=47
